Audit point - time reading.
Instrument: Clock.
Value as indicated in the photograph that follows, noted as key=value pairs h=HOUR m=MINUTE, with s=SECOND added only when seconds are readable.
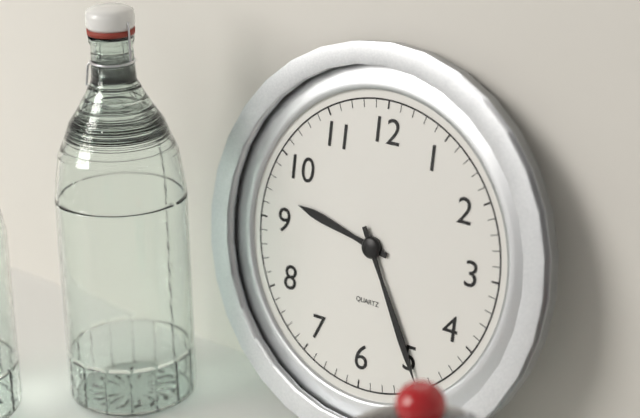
h=9 m=25
